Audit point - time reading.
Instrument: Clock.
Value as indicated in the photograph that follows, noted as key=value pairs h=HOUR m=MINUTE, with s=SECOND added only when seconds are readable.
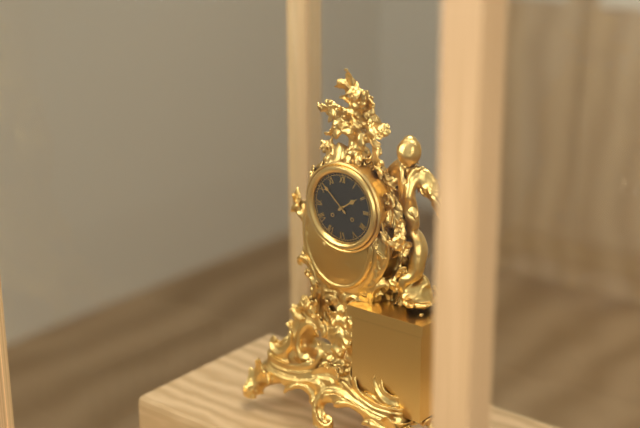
h=1 m=52
